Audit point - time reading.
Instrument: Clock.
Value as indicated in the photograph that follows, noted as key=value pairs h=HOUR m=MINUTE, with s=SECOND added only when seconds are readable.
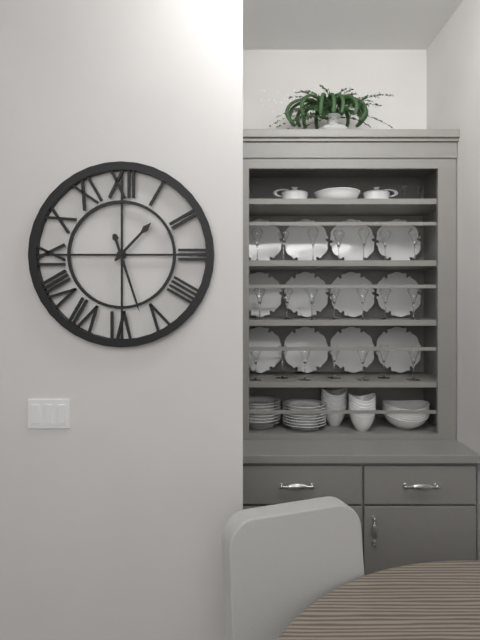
h=1 m=27
